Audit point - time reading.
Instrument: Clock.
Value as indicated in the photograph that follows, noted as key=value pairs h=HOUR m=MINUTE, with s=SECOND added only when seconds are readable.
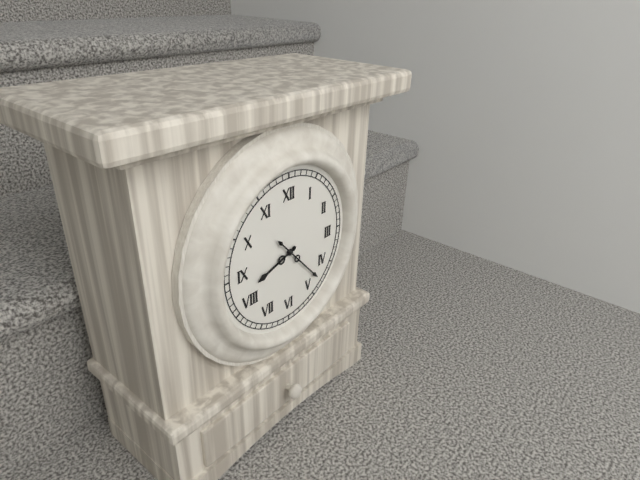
h=8 m=23
